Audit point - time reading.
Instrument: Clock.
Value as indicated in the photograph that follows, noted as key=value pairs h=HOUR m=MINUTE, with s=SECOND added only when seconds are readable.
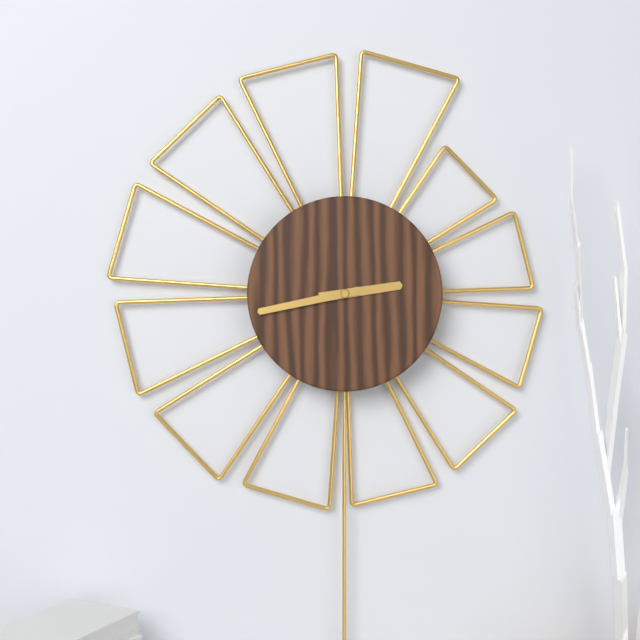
h=2 m=43
